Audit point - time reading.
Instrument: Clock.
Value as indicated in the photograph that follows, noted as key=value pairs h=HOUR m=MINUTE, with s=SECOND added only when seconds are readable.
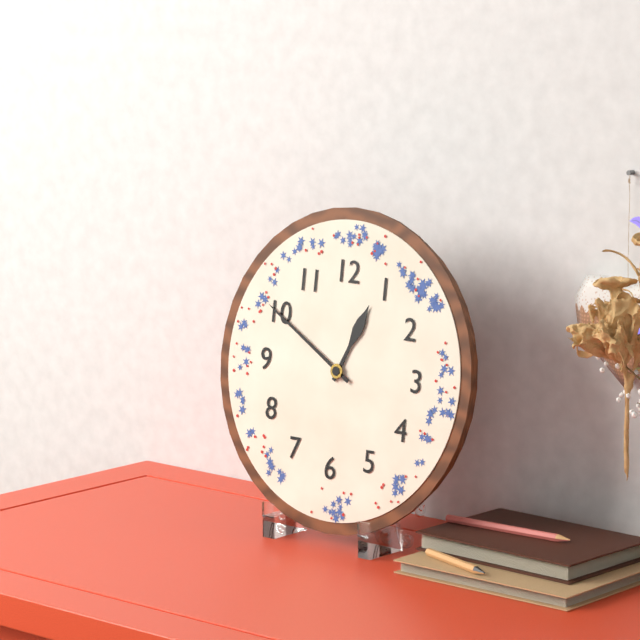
h=12 m=50
